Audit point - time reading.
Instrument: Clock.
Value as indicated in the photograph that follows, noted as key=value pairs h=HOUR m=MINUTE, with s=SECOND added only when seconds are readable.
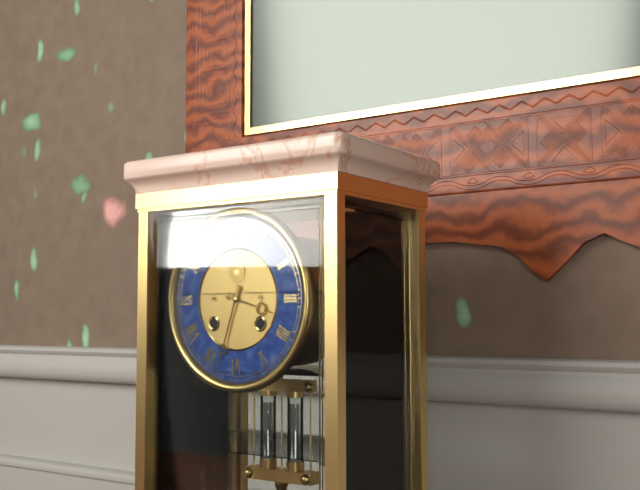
h=3 m=33
